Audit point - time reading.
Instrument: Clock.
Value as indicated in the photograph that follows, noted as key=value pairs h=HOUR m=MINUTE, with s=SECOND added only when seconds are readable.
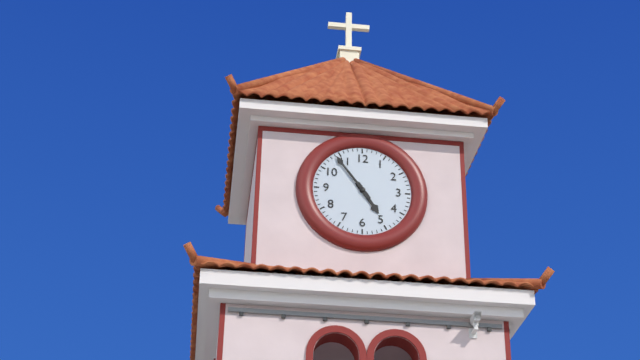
h=4 m=54
